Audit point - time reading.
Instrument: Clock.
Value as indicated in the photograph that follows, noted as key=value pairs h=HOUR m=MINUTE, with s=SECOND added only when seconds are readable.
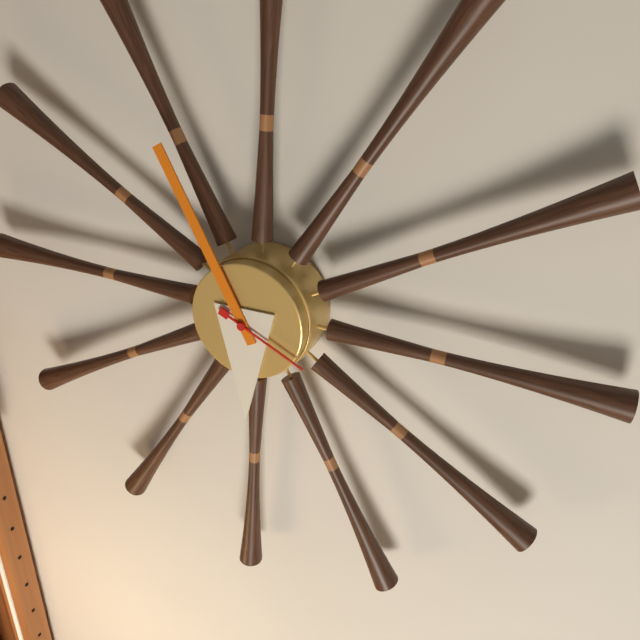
h=5 m=55 s=19
